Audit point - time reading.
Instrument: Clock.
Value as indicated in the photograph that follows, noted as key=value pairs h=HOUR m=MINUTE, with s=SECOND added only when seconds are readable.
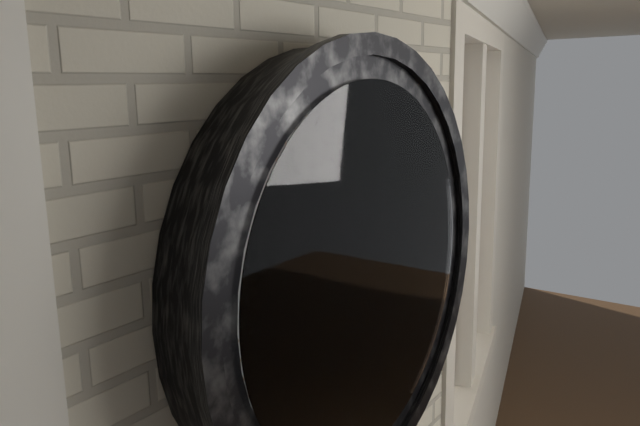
h=6 m=31
